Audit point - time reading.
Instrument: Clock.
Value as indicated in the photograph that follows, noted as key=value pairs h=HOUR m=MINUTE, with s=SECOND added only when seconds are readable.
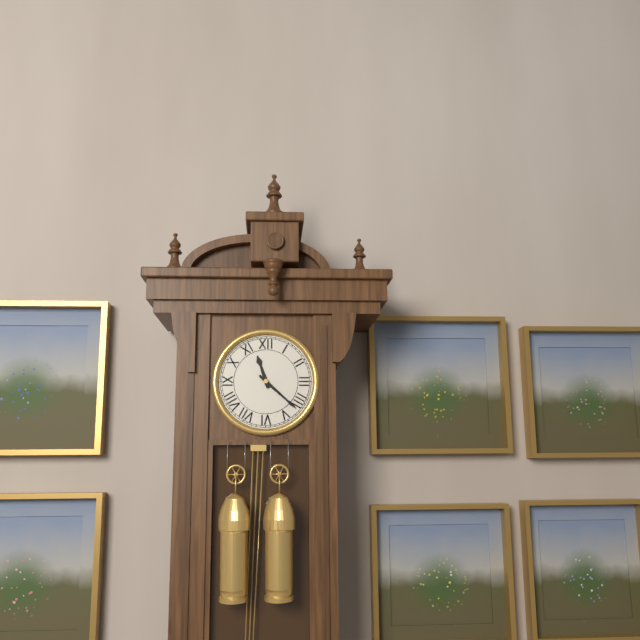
h=11 m=22
